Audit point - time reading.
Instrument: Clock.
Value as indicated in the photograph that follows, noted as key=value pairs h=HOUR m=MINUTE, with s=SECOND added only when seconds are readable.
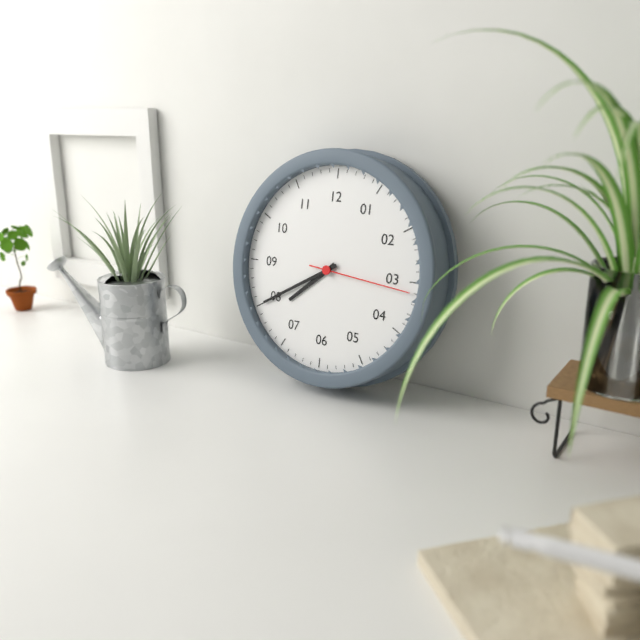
h=7 m=40 s=16
